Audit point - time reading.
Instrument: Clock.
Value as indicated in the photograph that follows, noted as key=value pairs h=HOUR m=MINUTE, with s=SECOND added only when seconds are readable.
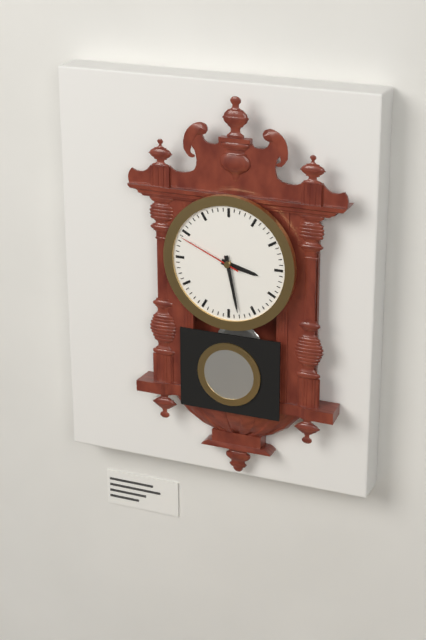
h=3 m=28 s=49
